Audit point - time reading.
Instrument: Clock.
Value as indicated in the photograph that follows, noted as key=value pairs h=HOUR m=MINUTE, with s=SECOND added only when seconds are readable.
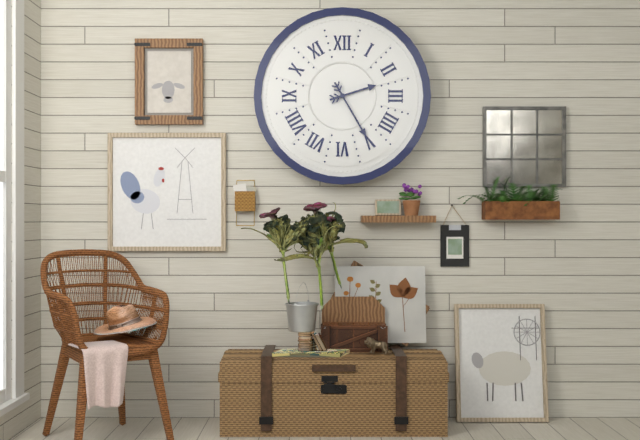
h=2 m=25
